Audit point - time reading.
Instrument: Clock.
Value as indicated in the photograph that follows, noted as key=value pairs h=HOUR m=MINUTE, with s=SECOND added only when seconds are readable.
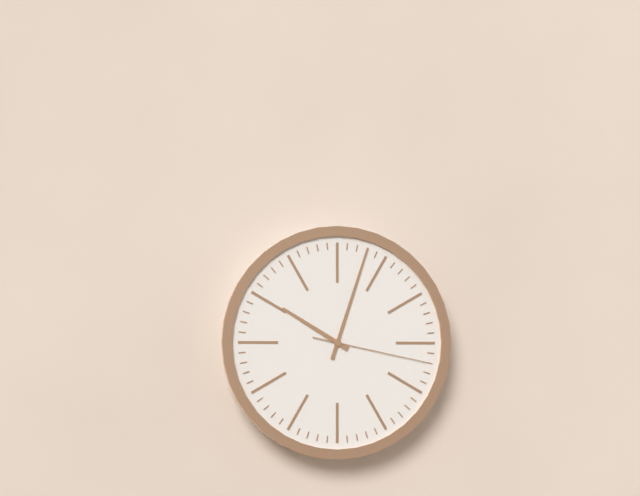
h=10 m=3 s=17
